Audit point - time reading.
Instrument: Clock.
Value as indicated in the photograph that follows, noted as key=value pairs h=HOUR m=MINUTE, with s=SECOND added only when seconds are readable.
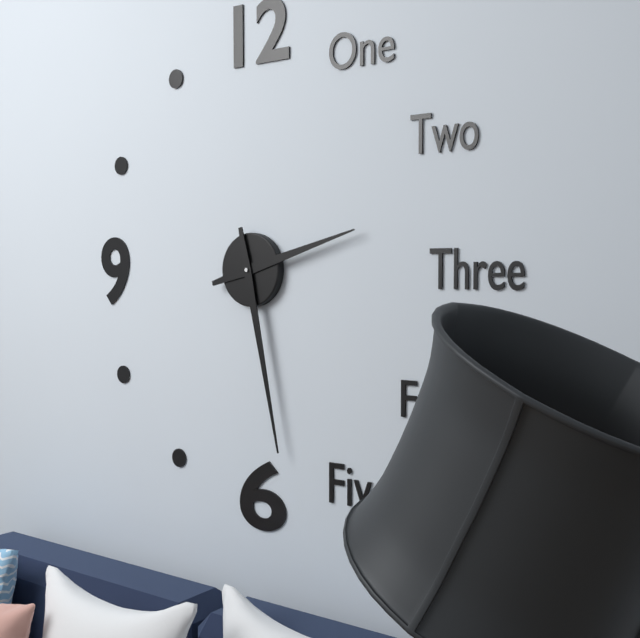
h=2 m=28
